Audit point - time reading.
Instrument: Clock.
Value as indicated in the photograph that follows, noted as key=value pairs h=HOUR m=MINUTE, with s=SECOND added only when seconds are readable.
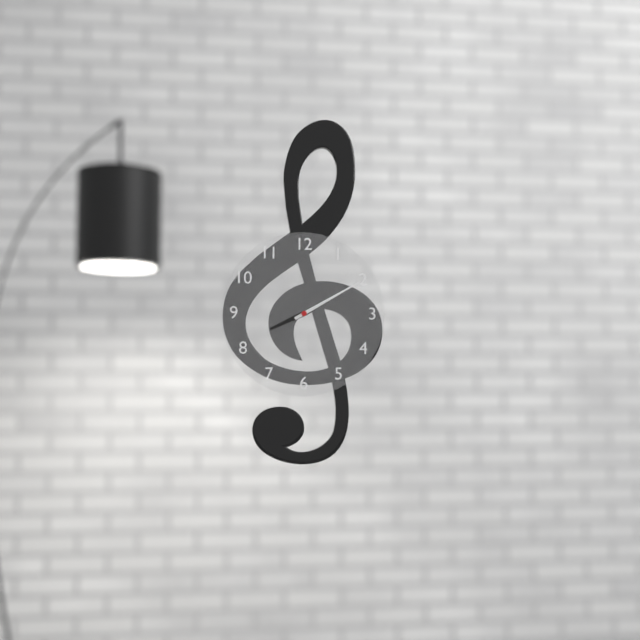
h=8 m=10
